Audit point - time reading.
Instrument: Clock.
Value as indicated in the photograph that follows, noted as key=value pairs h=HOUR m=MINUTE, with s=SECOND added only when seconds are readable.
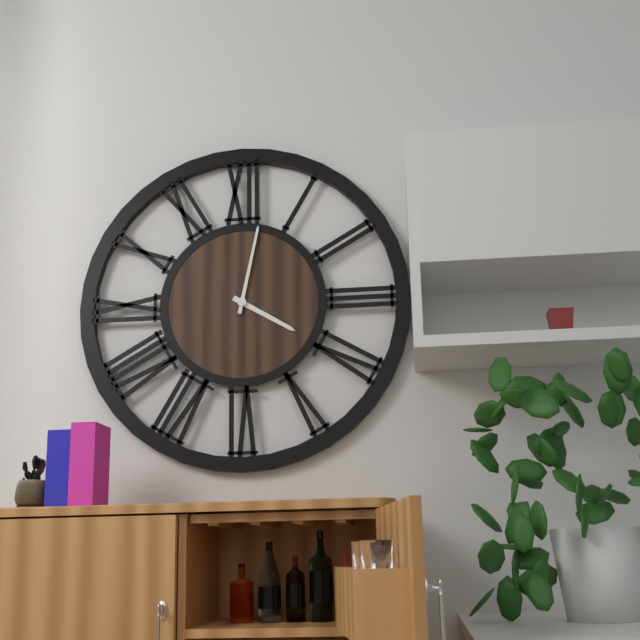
h=4 m=2
